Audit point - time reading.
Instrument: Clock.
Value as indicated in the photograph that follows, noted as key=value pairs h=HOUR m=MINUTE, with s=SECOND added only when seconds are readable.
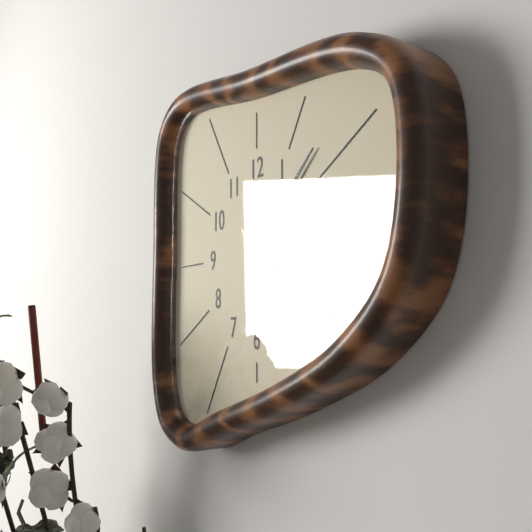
h=4 m=8 s=24
